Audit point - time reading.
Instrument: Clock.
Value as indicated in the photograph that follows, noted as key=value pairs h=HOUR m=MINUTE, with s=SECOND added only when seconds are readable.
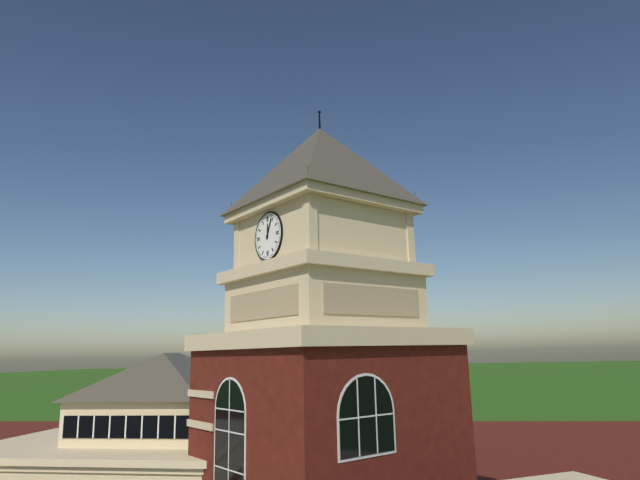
h=12 m=4
